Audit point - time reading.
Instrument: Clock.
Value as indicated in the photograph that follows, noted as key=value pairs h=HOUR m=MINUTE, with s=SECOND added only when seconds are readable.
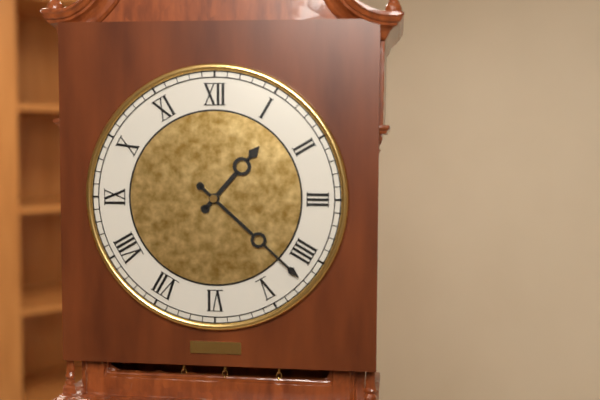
h=1 m=22
